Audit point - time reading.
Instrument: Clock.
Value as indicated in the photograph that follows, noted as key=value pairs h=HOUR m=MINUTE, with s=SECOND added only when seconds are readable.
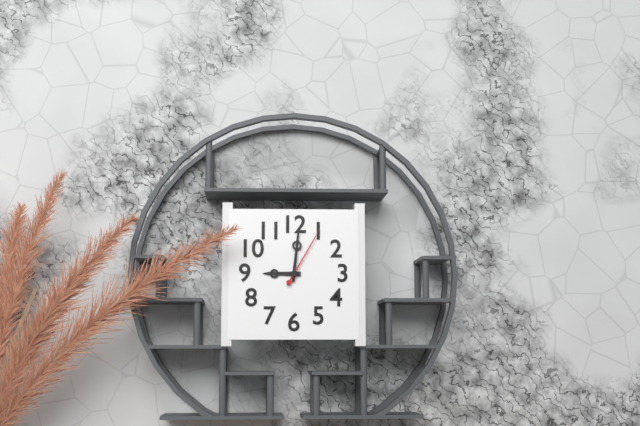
h=9 m=1 s=5
